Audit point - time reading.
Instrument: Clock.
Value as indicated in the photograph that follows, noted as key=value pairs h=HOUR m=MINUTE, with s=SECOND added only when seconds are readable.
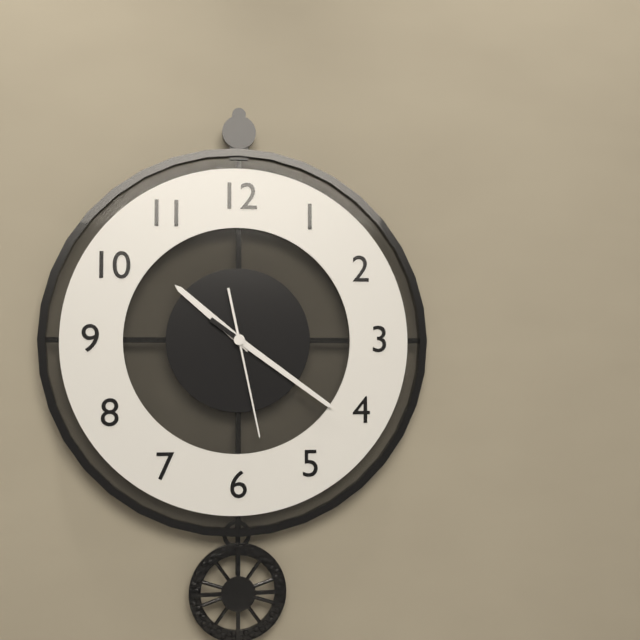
h=10 m=21 s=28
